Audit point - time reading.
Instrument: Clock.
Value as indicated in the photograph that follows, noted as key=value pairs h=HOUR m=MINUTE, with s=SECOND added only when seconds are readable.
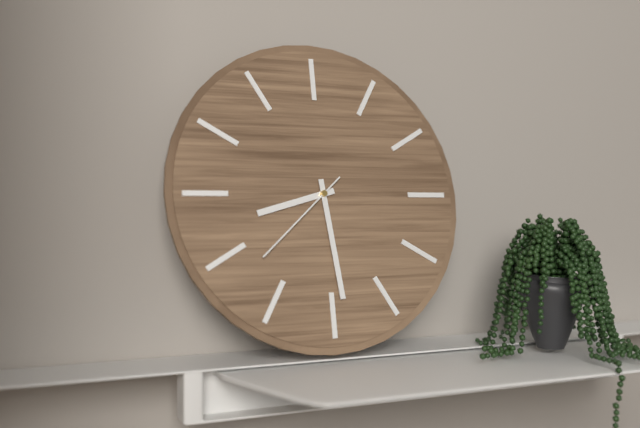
h=8 m=29 s=38
